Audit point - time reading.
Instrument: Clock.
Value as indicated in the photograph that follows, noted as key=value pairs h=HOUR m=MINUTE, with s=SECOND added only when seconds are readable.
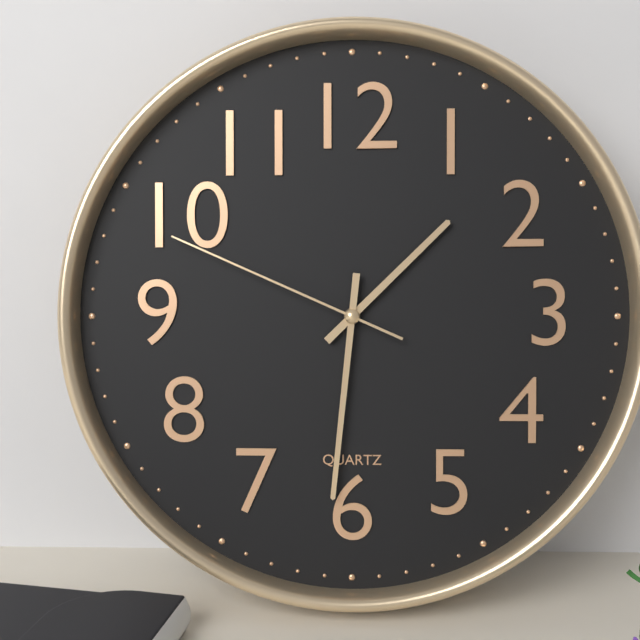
h=1 m=31 s=49
